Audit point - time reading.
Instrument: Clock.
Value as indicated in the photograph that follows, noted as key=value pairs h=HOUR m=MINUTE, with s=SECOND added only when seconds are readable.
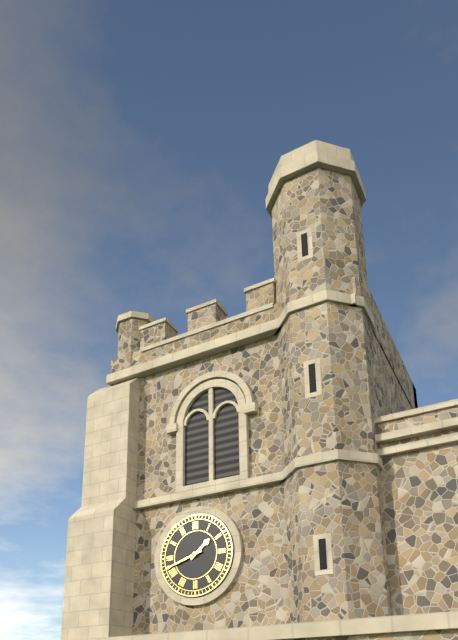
h=1 m=42
